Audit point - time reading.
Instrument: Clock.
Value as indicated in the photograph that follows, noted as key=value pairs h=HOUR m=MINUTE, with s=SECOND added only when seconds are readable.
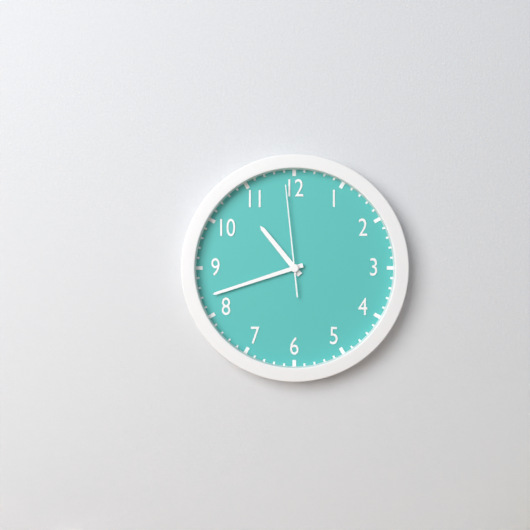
h=10 m=42 s=59
